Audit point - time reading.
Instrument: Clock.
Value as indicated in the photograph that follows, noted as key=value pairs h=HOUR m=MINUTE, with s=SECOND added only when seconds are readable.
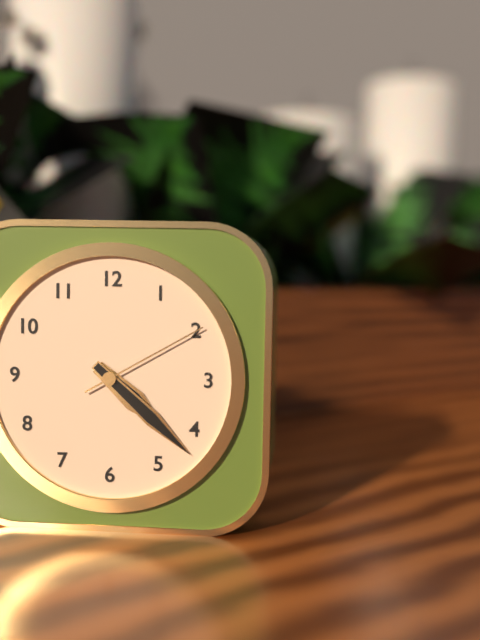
h=4 m=22 s=10
